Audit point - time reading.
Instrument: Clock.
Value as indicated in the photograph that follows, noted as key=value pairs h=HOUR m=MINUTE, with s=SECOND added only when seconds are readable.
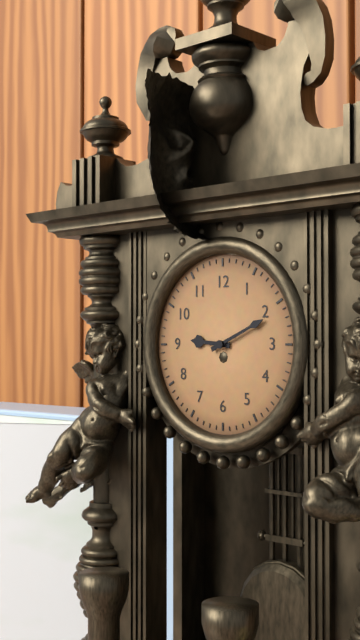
h=9 m=11
